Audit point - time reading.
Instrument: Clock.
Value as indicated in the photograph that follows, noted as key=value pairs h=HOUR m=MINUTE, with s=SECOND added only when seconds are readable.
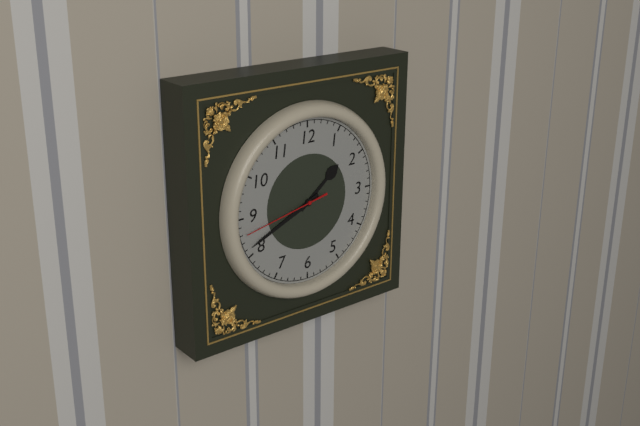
h=1 m=41 s=43
